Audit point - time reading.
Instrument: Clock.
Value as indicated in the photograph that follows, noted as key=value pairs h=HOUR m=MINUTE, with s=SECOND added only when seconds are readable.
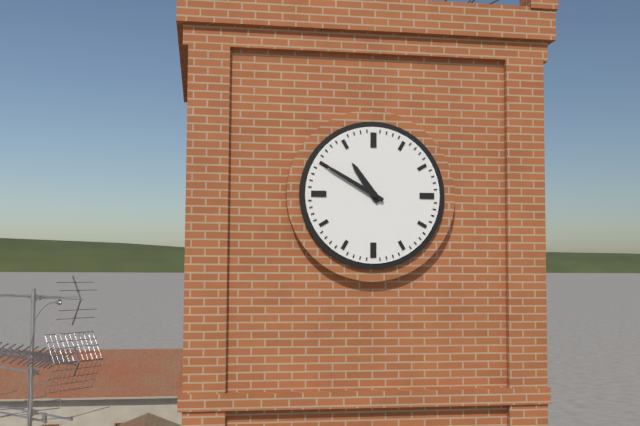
h=10 m=50
